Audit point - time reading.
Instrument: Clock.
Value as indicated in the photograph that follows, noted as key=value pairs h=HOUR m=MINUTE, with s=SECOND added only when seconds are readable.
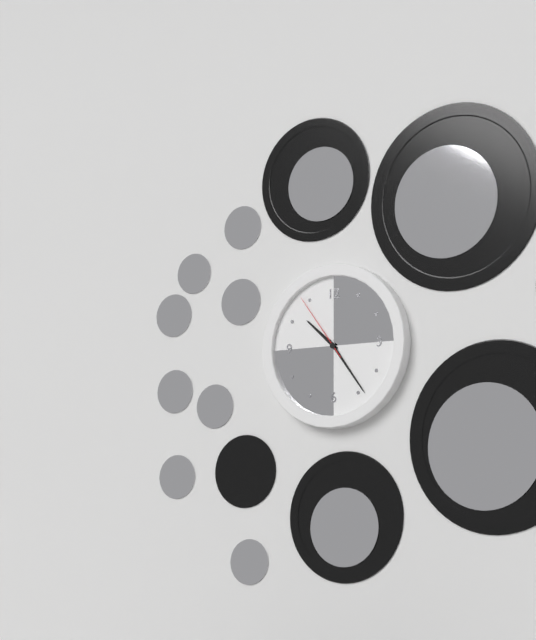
h=10 m=24 s=54
